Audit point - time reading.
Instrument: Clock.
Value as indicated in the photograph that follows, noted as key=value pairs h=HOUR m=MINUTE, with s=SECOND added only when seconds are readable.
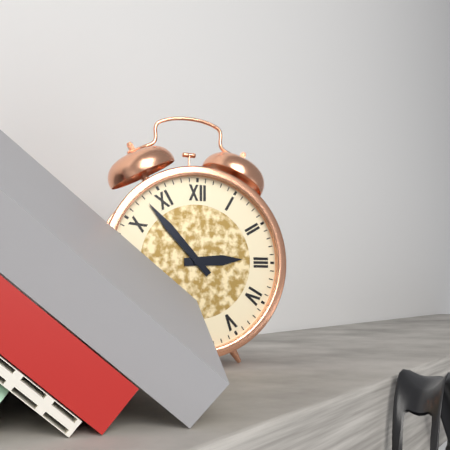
h=2 m=53
